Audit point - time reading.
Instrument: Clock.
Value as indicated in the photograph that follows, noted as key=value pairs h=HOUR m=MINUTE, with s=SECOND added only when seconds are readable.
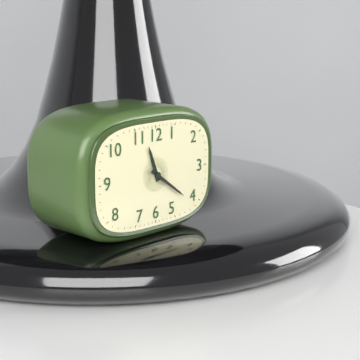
h=11 m=21
